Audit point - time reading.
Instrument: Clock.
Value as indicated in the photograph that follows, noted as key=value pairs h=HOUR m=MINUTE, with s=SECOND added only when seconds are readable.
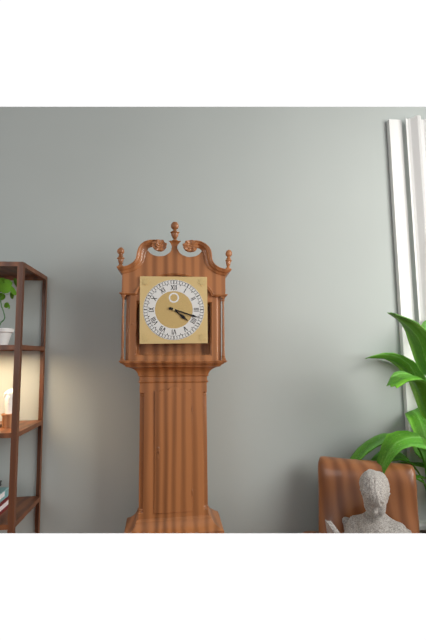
h=4 m=18
